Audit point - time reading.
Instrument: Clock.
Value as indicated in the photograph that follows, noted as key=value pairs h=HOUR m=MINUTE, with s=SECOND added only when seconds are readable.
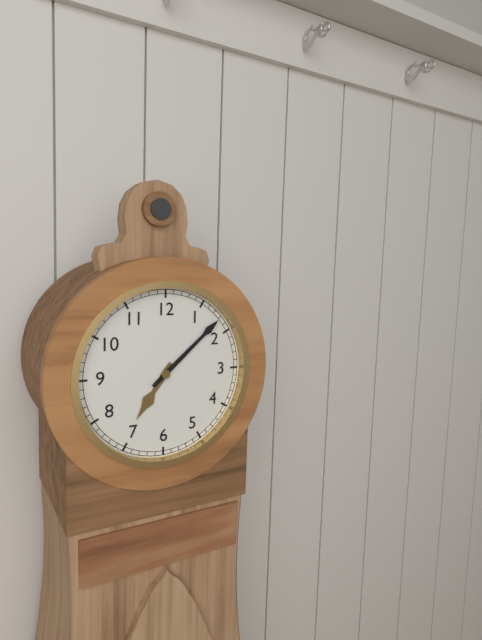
h=7 m=8
